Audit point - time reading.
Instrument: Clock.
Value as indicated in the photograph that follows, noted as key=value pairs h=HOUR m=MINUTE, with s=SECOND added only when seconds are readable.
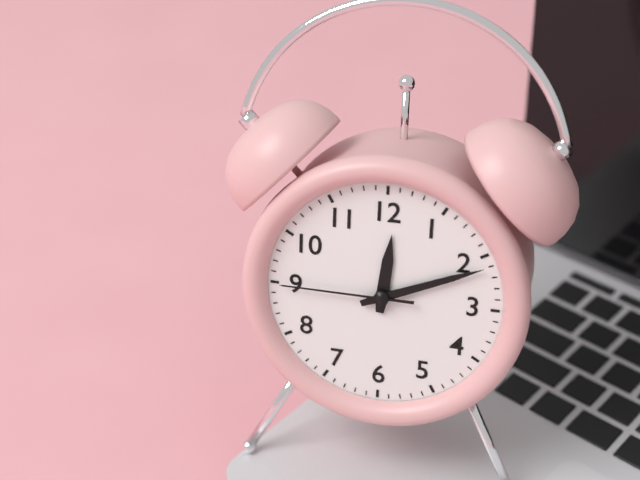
h=12 m=11 s=45
